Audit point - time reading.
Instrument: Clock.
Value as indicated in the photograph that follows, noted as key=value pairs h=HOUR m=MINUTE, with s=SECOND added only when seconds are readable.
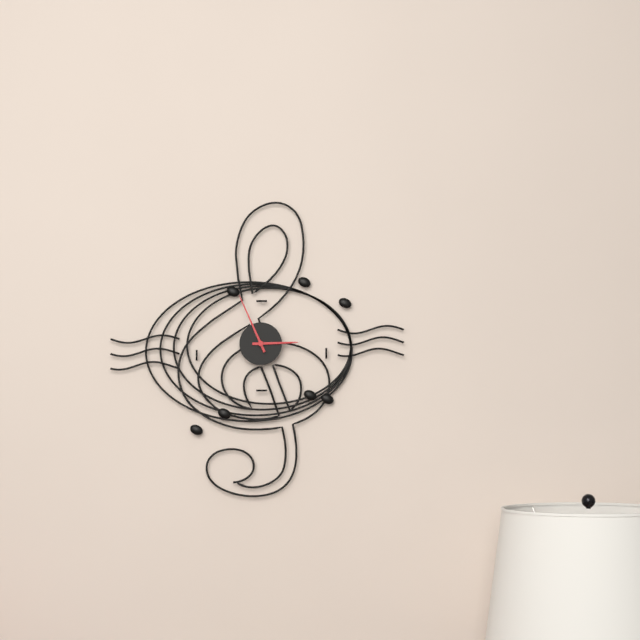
h=2 m=56
